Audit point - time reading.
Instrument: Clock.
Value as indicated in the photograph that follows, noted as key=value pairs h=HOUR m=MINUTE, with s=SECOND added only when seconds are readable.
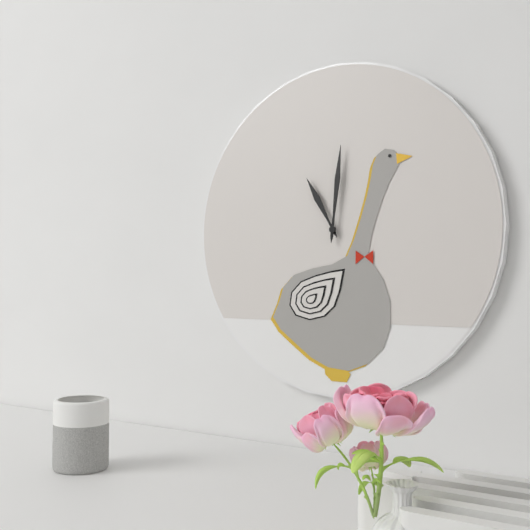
h=11 m=1
